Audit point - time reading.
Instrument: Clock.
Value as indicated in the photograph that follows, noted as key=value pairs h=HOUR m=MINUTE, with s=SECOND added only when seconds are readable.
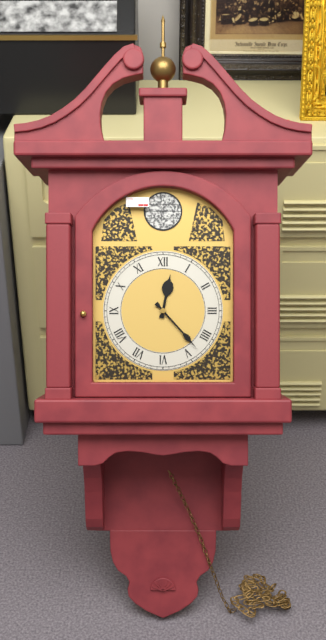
h=12 m=23
